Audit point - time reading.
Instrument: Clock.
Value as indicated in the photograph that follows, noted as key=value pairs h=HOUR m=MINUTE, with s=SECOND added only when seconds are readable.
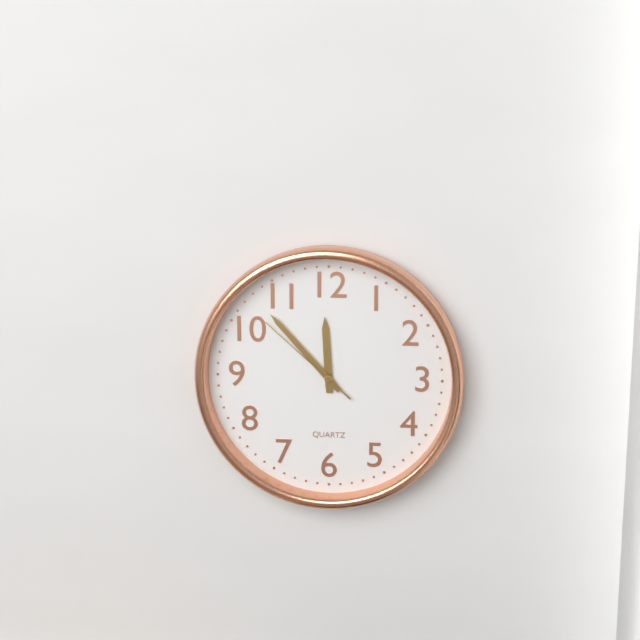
h=11 m=53 s=52
